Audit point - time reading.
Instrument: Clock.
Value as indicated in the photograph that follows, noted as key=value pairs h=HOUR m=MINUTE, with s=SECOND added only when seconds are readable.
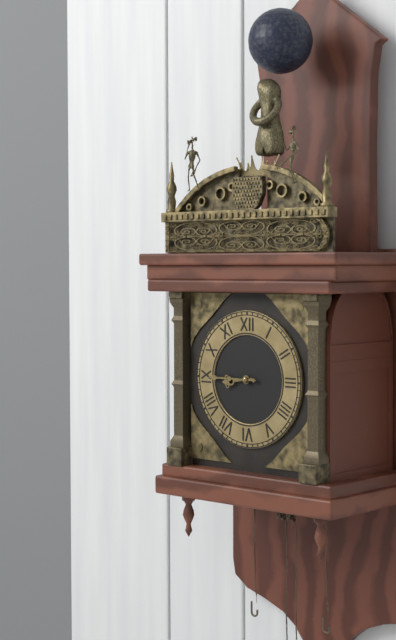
h=8 m=45
